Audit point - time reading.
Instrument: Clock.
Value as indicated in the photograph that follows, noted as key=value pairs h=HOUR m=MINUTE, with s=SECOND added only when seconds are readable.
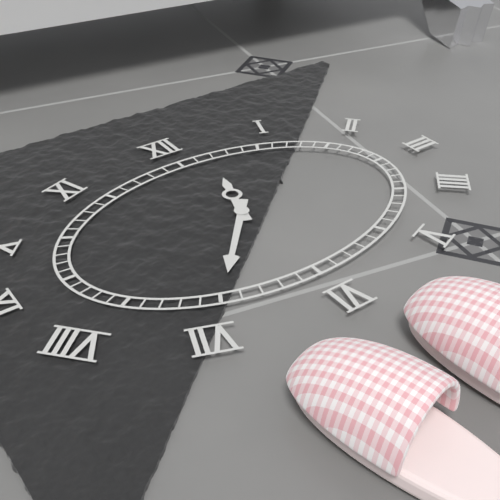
h=12 m=37
